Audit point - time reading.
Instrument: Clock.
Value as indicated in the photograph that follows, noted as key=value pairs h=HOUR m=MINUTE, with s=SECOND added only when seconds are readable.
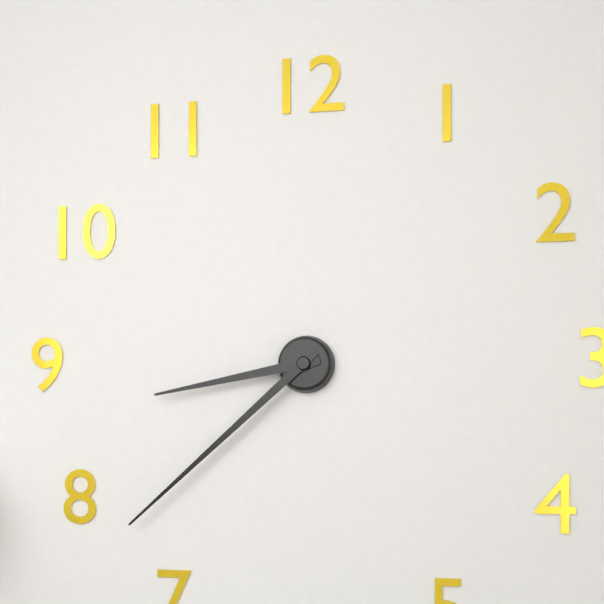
h=8 m=38
